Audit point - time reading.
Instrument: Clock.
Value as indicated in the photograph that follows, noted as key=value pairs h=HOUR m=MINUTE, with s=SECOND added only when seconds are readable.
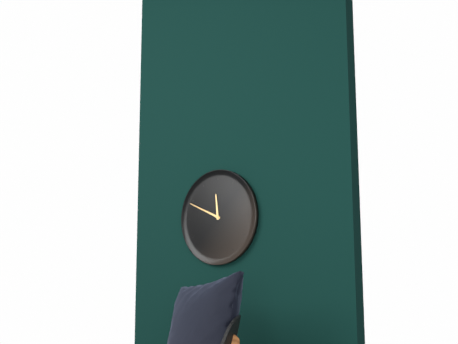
h=11 m=49
